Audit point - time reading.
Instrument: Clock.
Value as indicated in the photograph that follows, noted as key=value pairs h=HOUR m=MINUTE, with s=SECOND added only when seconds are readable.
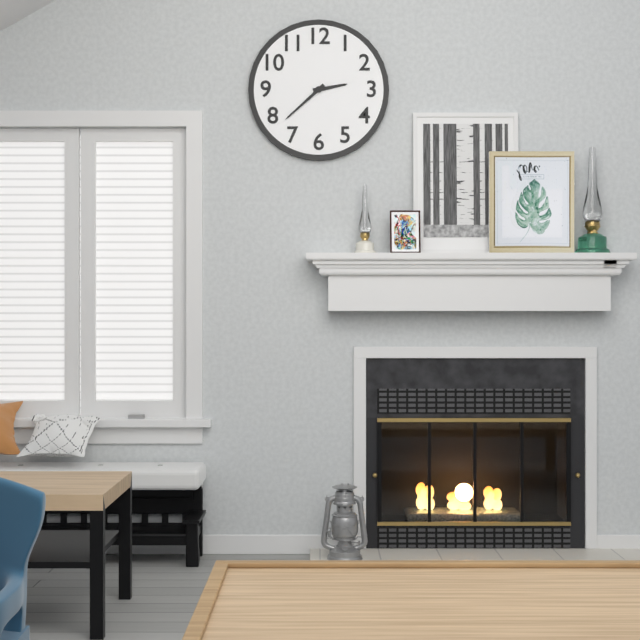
h=2 m=38
